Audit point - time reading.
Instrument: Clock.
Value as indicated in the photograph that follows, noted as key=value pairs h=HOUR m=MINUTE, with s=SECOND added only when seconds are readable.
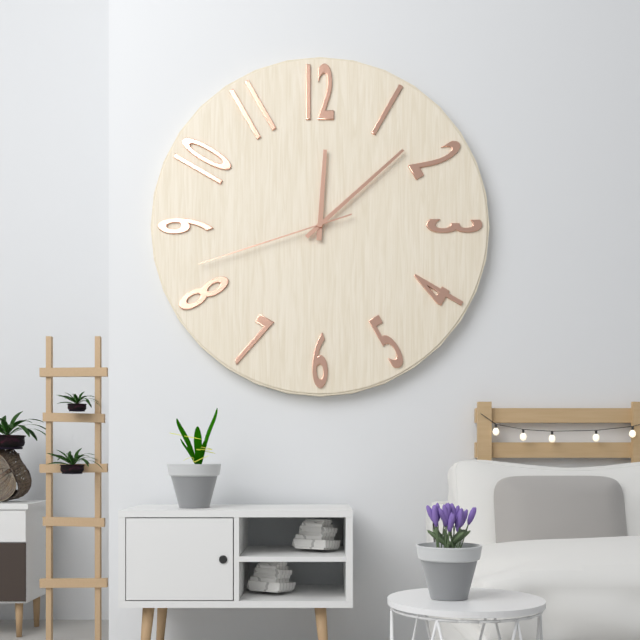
h=12 m=8 s=42
